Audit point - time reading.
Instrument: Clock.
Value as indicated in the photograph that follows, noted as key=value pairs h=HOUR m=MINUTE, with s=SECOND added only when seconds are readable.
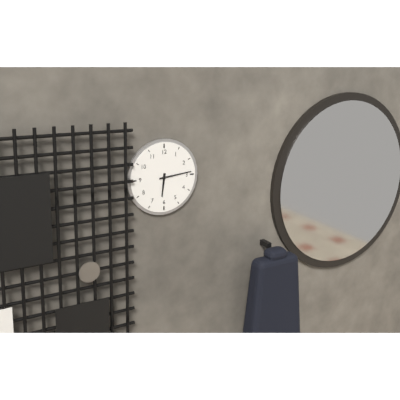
h=6 m=14
